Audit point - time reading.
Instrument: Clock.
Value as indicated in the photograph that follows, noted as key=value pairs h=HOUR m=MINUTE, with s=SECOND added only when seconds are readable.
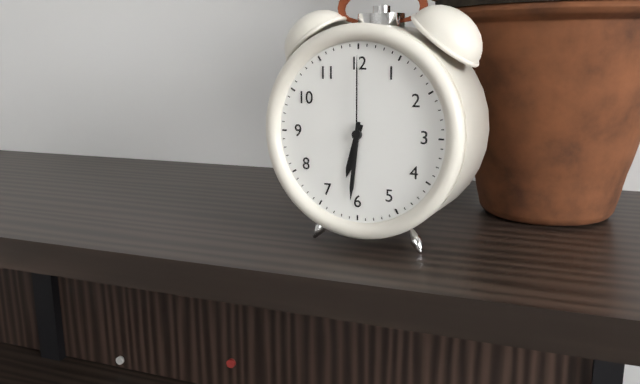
h=6 m=31 s=0
